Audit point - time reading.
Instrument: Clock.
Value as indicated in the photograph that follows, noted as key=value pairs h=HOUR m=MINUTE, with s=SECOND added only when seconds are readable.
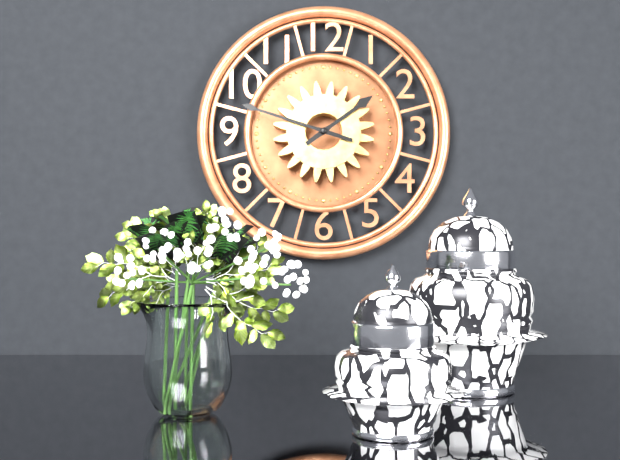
h=1 m=48
